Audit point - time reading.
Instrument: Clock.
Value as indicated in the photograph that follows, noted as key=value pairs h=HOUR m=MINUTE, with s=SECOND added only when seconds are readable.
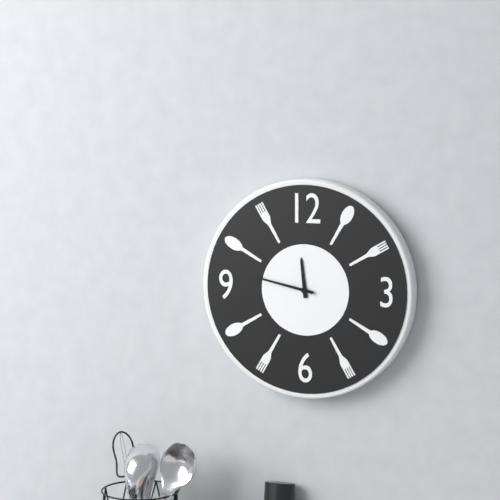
h=11 m=47
